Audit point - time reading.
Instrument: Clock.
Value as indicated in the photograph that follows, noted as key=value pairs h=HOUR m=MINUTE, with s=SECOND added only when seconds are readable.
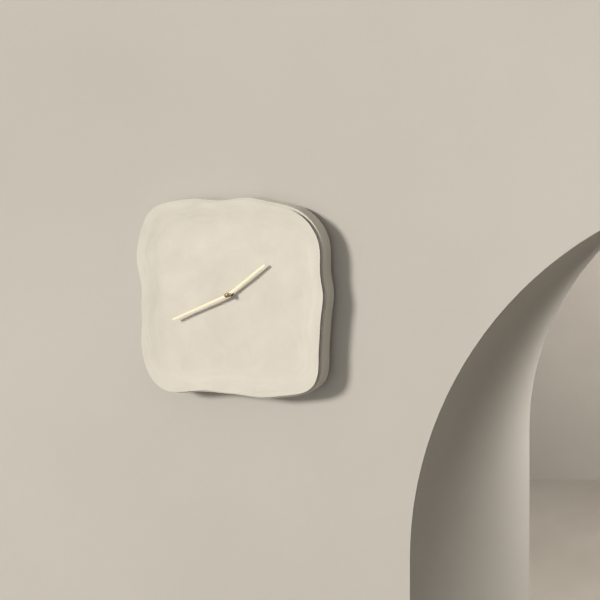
h=1 m=41
